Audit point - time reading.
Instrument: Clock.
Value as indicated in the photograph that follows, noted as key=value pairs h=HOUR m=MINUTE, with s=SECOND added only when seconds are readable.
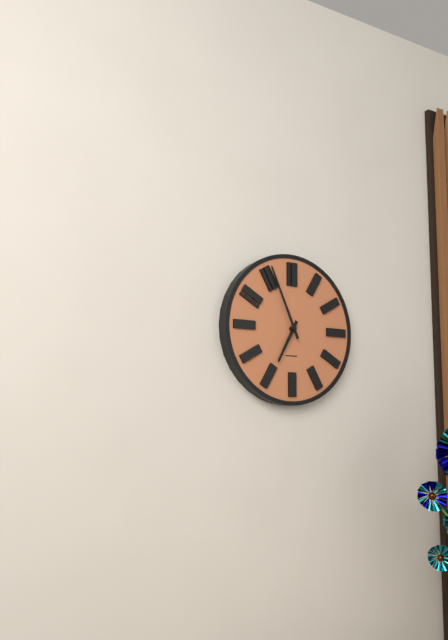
h=6 m=56
